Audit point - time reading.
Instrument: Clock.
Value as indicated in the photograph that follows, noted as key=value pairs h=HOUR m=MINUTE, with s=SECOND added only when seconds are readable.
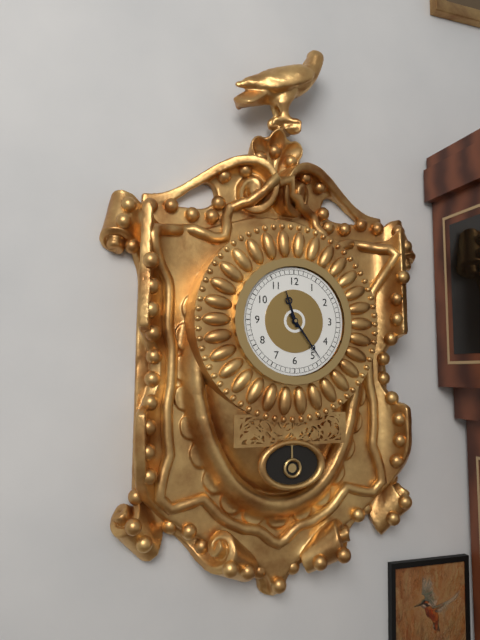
h=11 m=24
